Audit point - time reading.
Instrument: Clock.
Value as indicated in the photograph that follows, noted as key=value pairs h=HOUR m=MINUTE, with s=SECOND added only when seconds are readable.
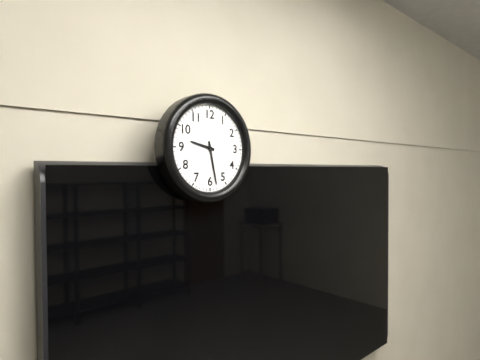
h=9 m=28
